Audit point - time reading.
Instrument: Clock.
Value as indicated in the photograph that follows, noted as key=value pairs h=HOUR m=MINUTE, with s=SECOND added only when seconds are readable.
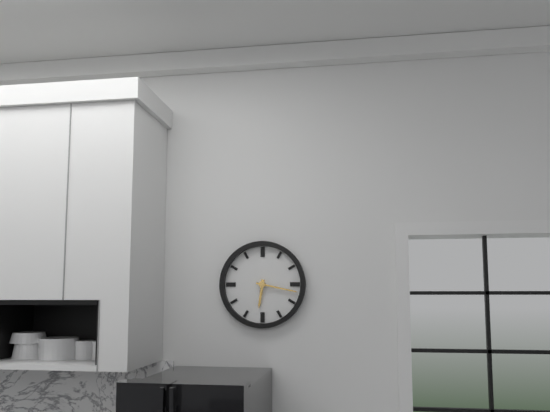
h=6 m=17
